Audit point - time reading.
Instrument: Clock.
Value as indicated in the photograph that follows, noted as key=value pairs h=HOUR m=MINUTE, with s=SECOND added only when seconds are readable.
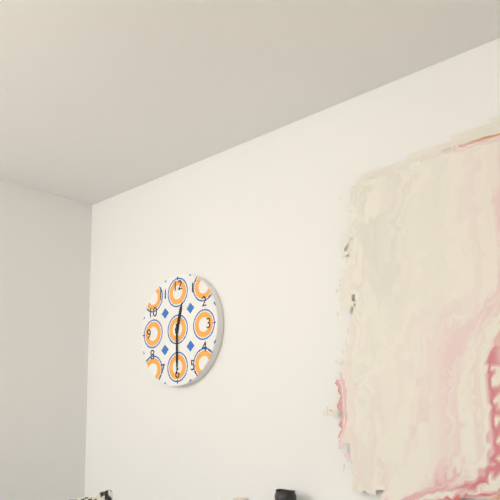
h=12 m=30
